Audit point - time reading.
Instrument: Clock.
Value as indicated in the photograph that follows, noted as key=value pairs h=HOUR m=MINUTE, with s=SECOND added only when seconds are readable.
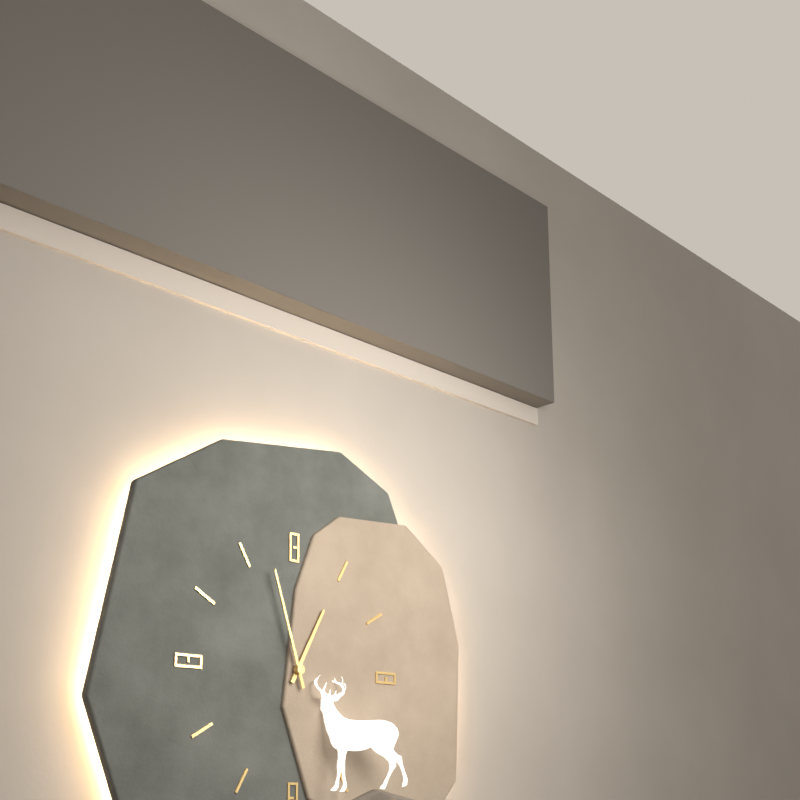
h=12 m=57
